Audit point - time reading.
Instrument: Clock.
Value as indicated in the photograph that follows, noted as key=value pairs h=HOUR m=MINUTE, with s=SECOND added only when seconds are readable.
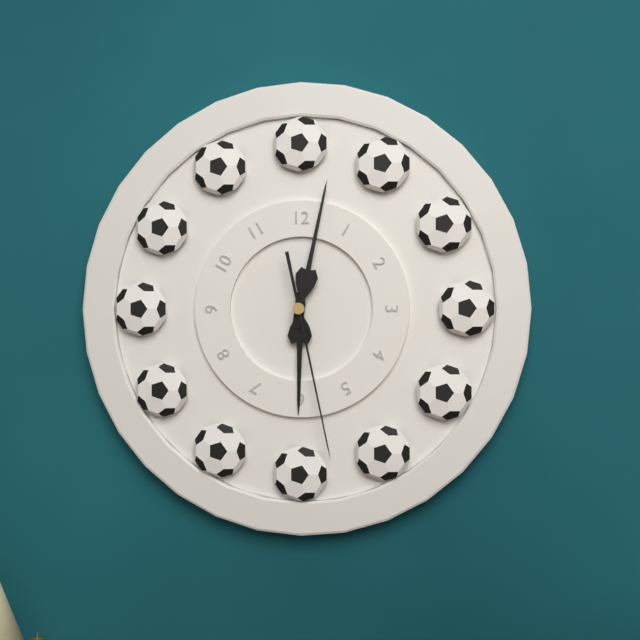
h=6 m=2 s=28
